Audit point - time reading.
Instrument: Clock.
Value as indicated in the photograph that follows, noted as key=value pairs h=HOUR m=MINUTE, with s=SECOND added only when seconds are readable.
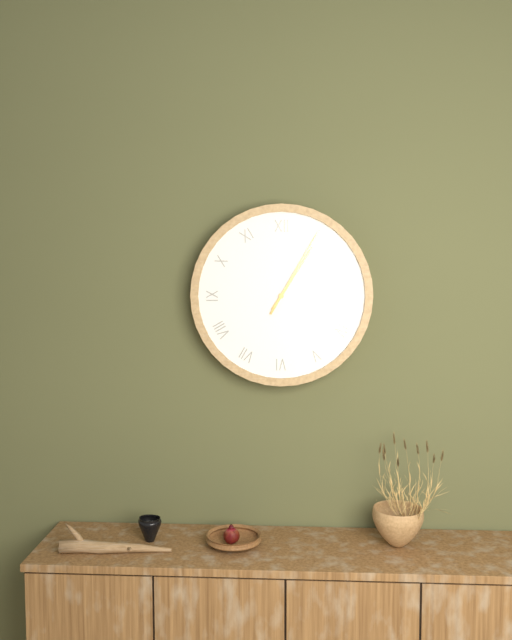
h=1 m=5
